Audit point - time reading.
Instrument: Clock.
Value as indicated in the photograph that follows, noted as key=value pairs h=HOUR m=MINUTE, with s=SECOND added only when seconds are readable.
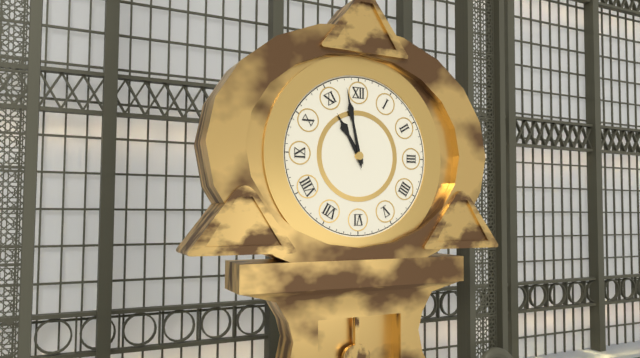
h=10 m=58
